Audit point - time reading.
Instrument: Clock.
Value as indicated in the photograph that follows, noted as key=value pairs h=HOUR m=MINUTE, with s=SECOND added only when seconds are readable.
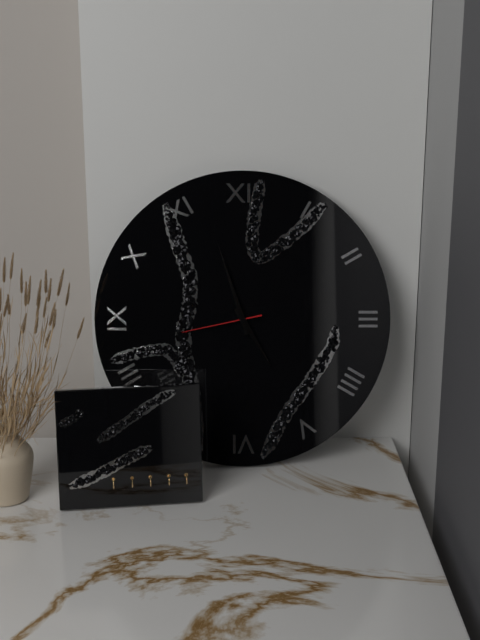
h=4 m=57 s=43
